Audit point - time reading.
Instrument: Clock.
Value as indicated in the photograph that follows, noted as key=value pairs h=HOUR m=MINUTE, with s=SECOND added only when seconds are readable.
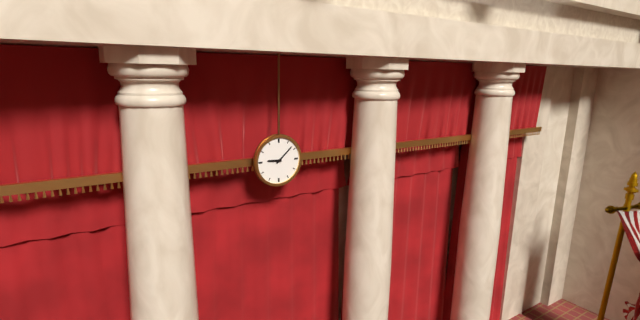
h=9 m=8
